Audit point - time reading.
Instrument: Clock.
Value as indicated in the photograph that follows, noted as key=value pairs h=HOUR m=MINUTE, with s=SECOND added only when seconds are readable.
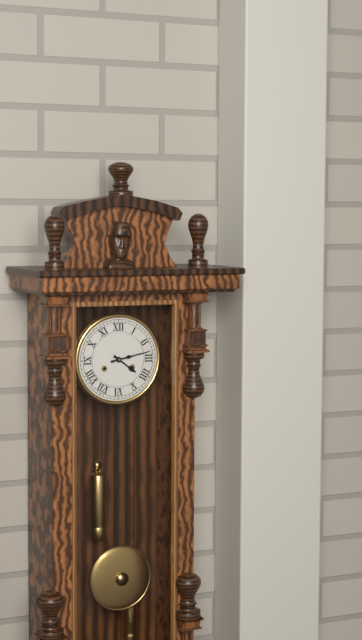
h=4 m=13
